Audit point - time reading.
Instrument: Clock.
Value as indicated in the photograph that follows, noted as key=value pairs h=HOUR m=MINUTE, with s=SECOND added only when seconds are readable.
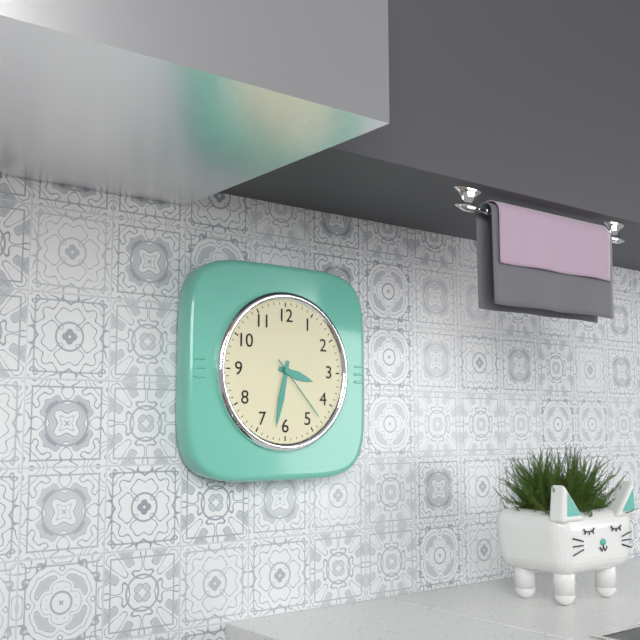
h=3 m=32 s=23
